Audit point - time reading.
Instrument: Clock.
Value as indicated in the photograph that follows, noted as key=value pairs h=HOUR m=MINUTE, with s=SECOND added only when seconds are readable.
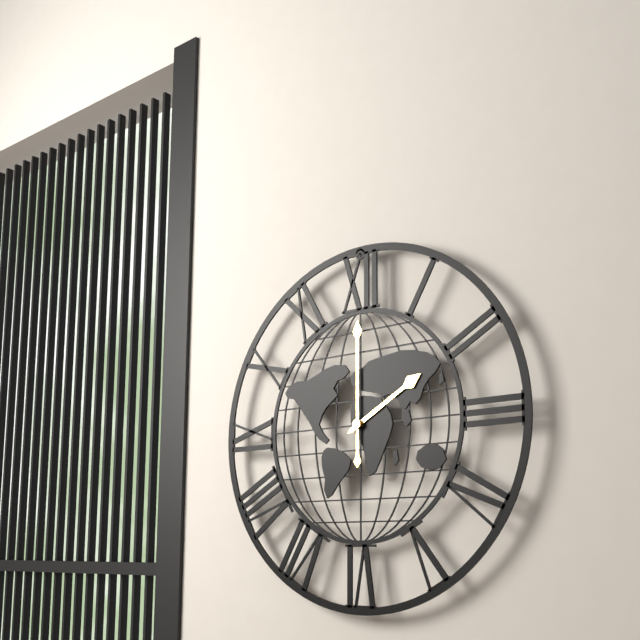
h=2 m=0
